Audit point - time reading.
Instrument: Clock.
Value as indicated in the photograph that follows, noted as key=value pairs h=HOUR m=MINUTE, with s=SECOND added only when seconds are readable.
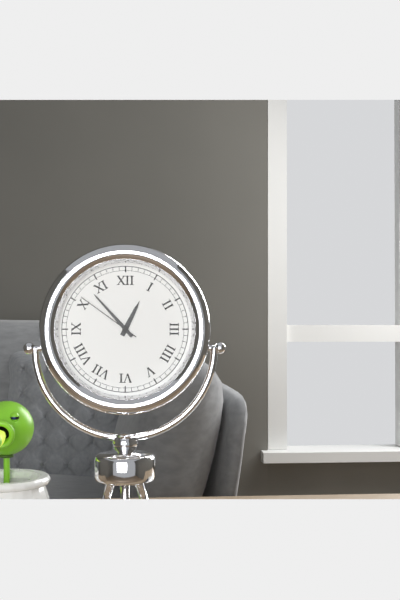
h=12 m=53 s=51
